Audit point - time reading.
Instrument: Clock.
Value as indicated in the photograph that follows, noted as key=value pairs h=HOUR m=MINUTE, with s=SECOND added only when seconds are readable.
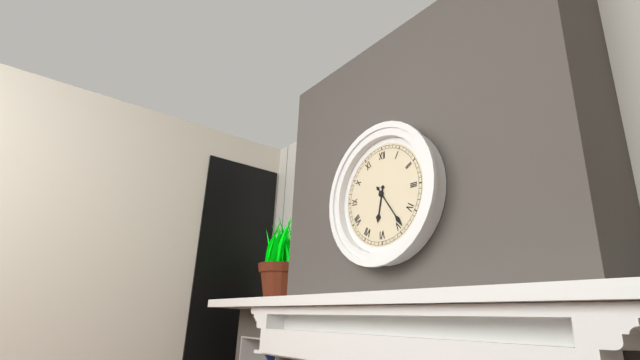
h=6 m=24
